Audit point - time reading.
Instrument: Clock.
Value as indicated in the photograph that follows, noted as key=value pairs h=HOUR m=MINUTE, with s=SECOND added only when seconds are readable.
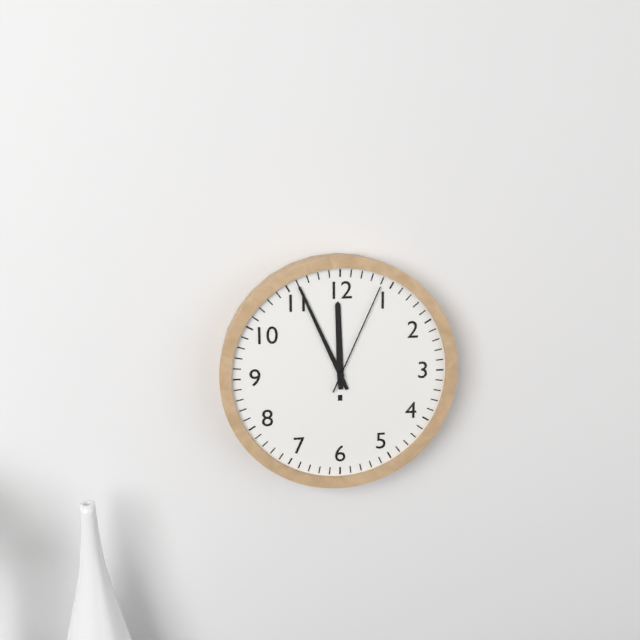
h=11 m=56 s=4
